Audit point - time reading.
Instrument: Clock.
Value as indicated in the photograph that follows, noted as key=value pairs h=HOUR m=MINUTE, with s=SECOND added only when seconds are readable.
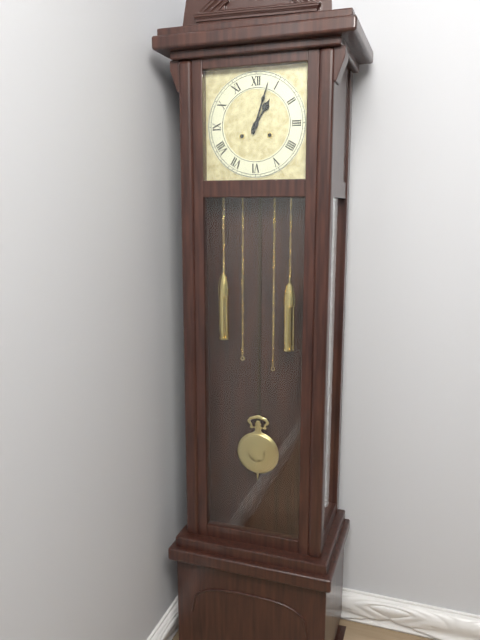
h=1 m=3
